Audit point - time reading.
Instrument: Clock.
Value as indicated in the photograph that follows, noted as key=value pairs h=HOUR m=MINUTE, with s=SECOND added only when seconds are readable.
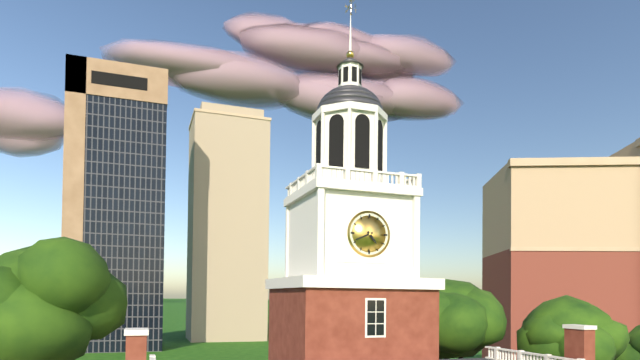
h=4 m=41
